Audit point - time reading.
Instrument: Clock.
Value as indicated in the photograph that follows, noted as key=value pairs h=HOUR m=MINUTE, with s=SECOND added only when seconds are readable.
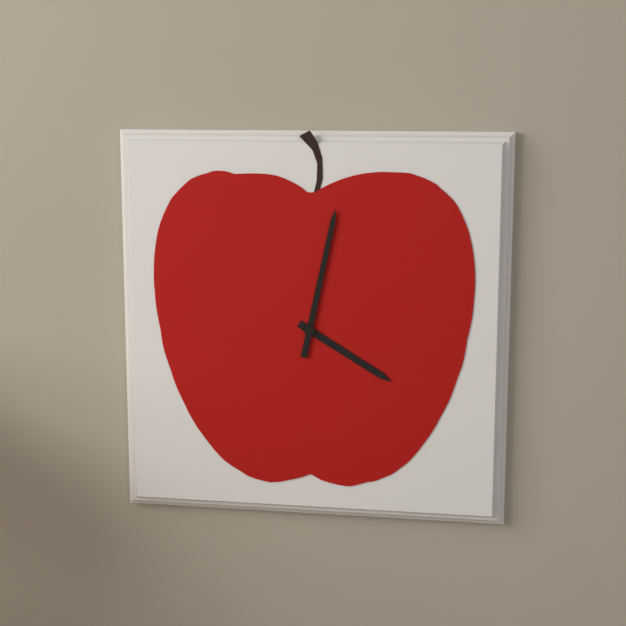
h=4 m=2
